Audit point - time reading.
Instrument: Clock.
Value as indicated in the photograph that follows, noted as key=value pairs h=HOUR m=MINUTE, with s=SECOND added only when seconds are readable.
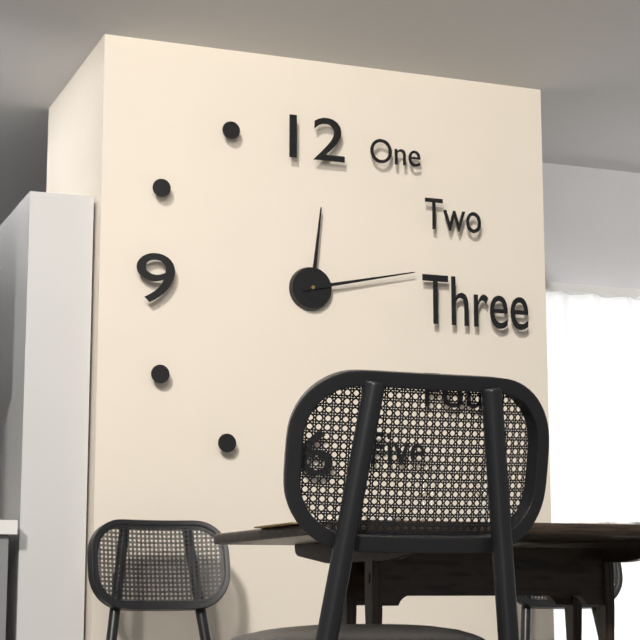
h=12 m=13
